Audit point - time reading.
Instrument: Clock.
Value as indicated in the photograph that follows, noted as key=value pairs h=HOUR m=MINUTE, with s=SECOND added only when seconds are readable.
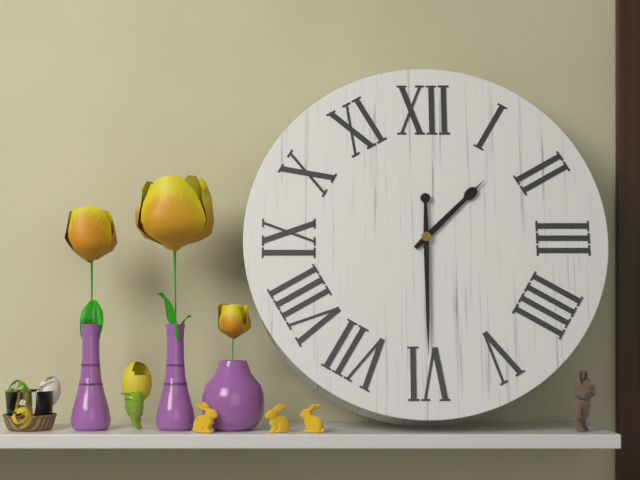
h=1 m=30
